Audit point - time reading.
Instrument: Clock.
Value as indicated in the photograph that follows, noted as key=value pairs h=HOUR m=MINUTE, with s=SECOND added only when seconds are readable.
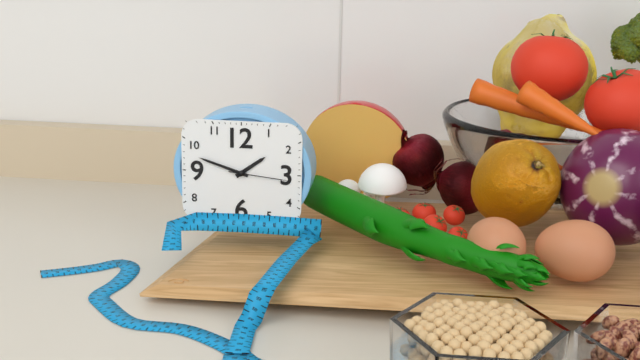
h=1 m=48 s=16
